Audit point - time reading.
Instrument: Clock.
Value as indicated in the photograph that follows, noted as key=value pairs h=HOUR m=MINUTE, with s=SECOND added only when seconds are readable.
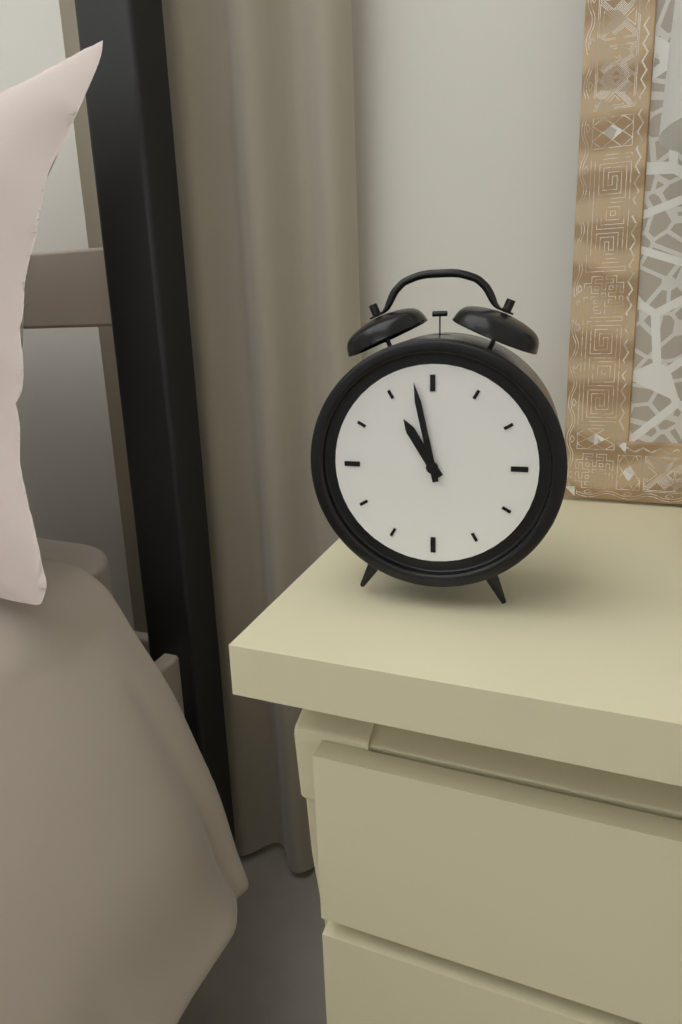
h=10 m=58
